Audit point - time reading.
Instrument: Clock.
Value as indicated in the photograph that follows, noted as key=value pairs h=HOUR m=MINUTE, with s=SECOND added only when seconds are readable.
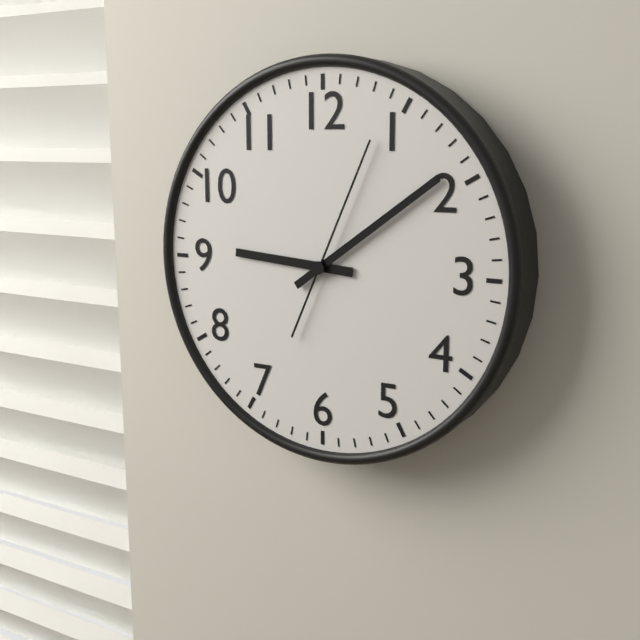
h=9 m=9 s=4
